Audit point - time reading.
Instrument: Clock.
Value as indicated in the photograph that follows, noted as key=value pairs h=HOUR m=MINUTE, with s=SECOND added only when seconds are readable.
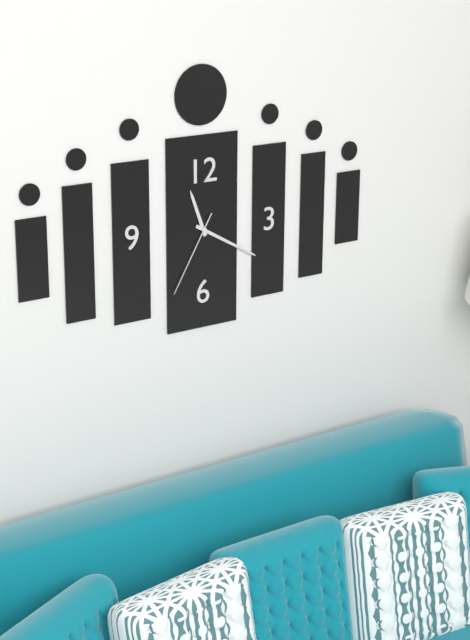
h=11 m=20 s=35
